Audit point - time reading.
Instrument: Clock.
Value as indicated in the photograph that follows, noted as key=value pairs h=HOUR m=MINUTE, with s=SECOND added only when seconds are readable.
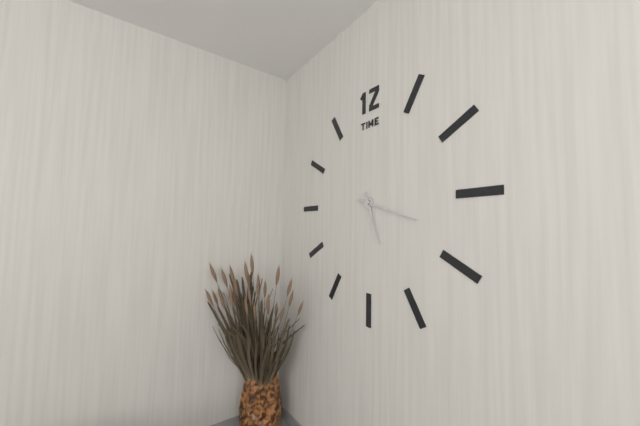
h=5 m=18
